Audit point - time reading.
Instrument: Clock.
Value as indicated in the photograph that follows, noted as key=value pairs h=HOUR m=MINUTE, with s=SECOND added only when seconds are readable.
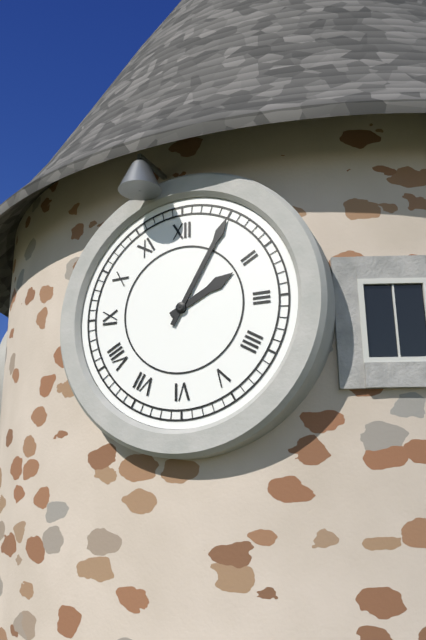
h=2 m=5
